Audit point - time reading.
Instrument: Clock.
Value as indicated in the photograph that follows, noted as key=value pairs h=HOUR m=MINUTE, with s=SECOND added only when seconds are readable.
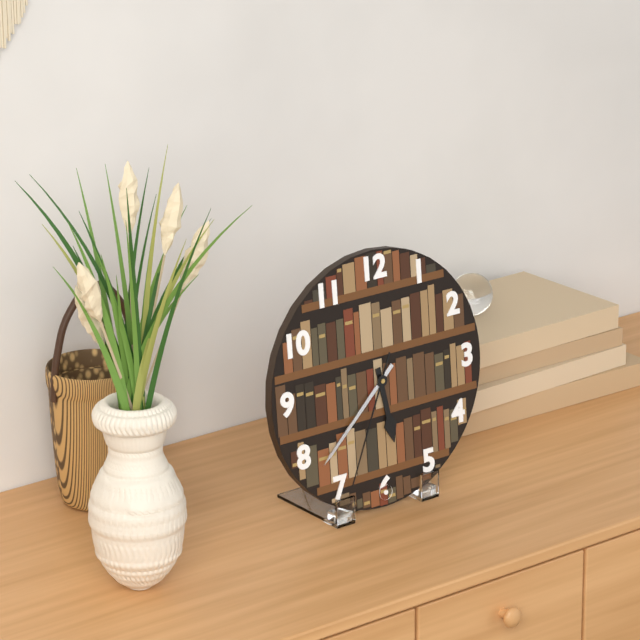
h=5 m=38 s=34
